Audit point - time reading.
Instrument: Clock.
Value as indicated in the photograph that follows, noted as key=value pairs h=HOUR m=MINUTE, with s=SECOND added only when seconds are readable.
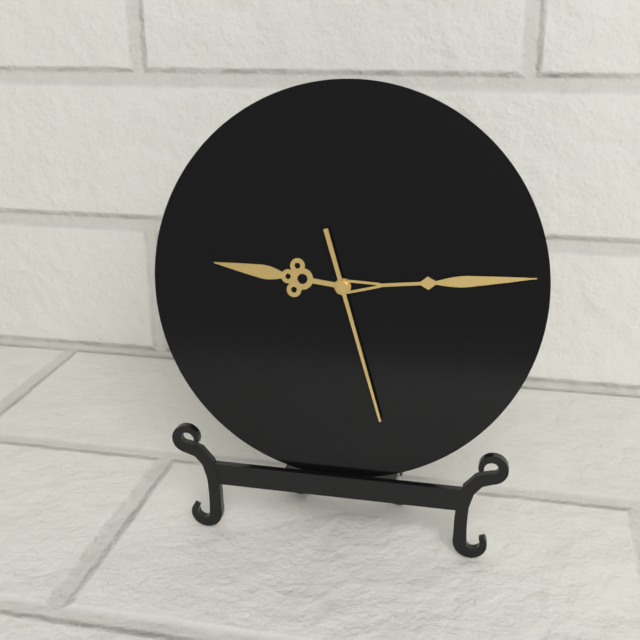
h=9 m=14 s=27
